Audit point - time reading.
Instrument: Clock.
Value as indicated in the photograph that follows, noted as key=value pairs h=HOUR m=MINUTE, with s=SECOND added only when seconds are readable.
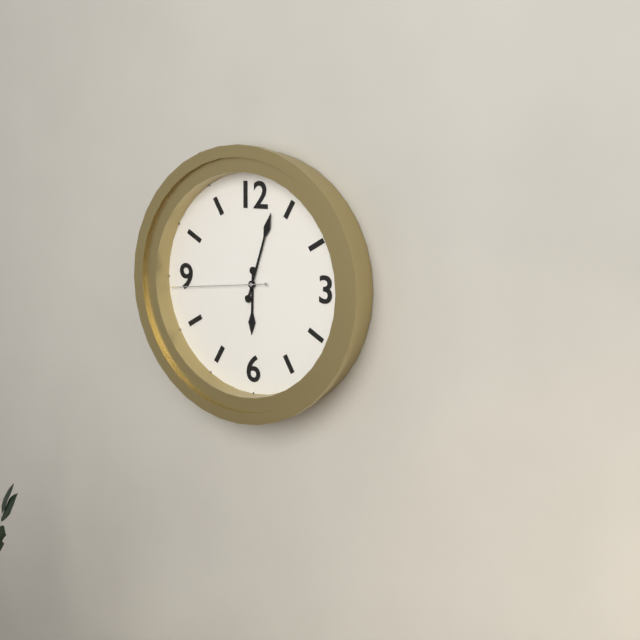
h=6 m=3 s=44
